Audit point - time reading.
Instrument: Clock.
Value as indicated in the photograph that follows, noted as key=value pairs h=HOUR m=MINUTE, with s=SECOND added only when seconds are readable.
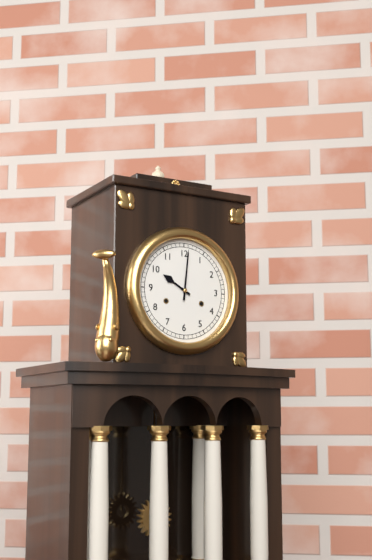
h=10 m=1
